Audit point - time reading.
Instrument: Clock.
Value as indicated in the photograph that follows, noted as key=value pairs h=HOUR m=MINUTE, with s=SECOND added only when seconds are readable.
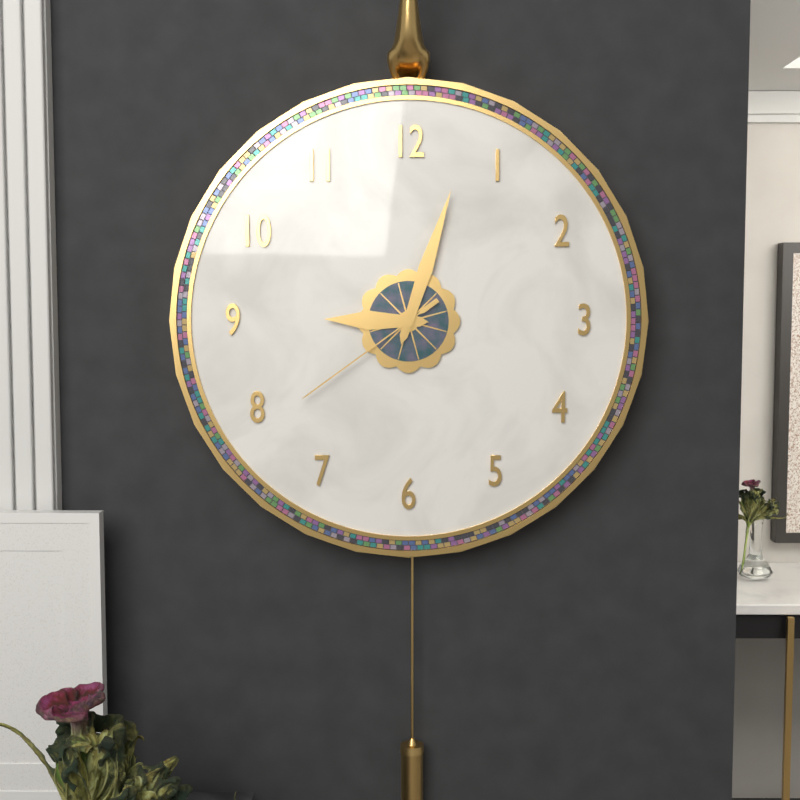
h=9 m=3 s=39
